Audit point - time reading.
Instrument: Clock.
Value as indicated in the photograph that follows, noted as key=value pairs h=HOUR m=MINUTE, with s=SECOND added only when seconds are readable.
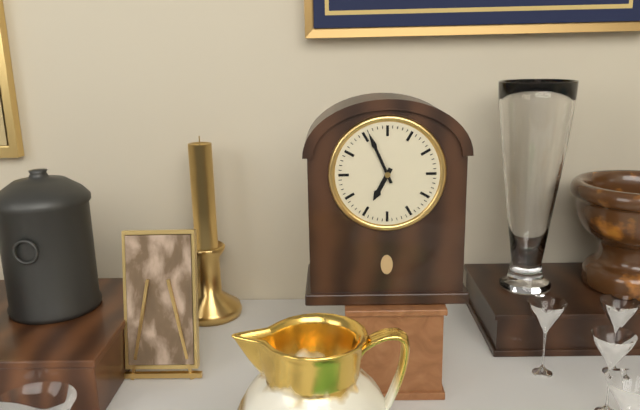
h=6 m=56
